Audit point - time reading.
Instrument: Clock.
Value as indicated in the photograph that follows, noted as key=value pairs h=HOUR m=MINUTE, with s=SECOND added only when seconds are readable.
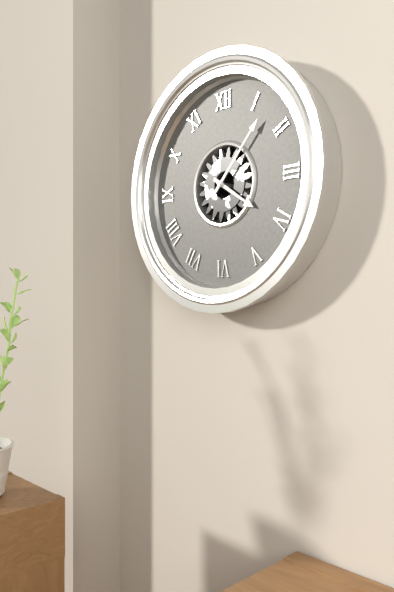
h=4 m=7
